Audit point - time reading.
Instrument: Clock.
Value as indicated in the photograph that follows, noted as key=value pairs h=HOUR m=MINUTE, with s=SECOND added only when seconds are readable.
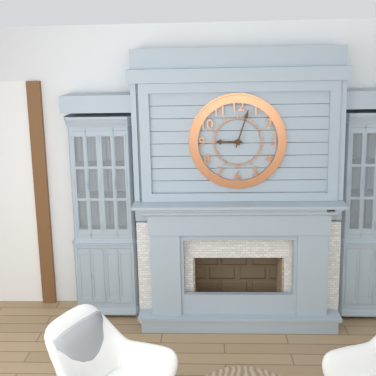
h=9 m=3
